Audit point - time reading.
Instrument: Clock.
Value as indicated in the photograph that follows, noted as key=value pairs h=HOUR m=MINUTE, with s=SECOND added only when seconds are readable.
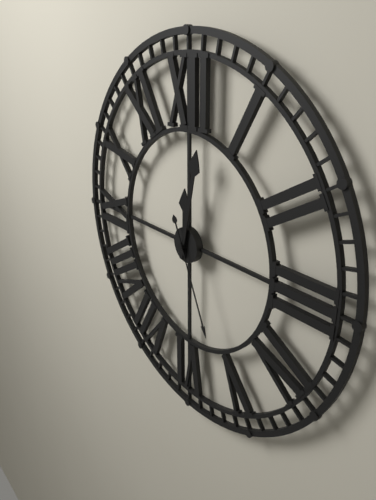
h=12 m=2 s=26
